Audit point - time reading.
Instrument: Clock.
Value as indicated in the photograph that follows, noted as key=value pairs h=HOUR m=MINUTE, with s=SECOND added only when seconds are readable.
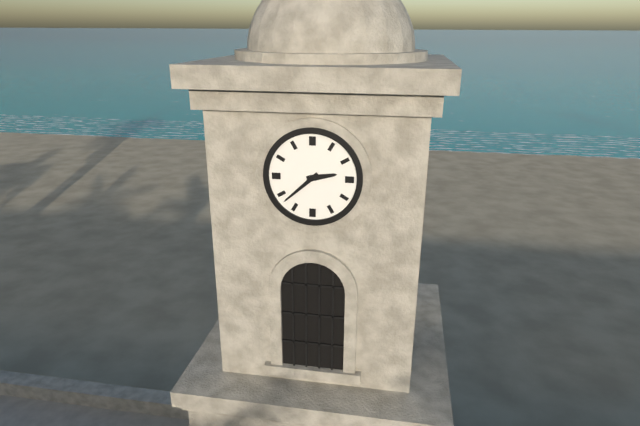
h=2 m=38
